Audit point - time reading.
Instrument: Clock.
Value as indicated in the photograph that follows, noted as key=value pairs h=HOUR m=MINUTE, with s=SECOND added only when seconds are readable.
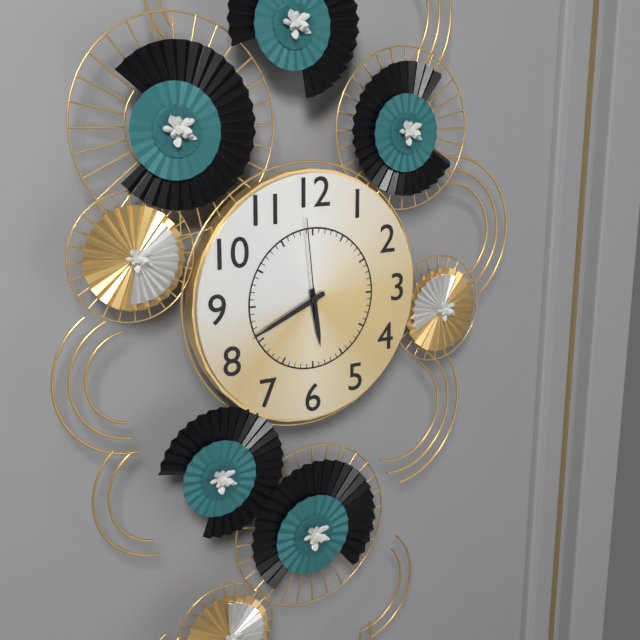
h=5 m=41 s=59
